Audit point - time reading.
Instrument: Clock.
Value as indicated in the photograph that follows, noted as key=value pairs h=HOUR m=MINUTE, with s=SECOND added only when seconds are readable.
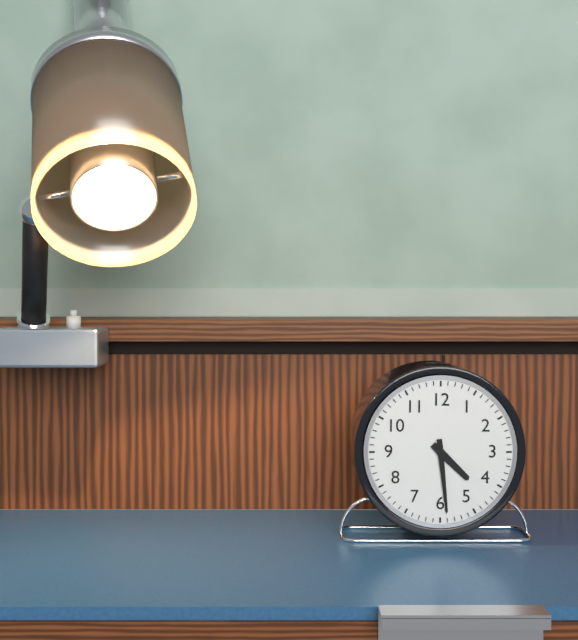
h=4 m=29
